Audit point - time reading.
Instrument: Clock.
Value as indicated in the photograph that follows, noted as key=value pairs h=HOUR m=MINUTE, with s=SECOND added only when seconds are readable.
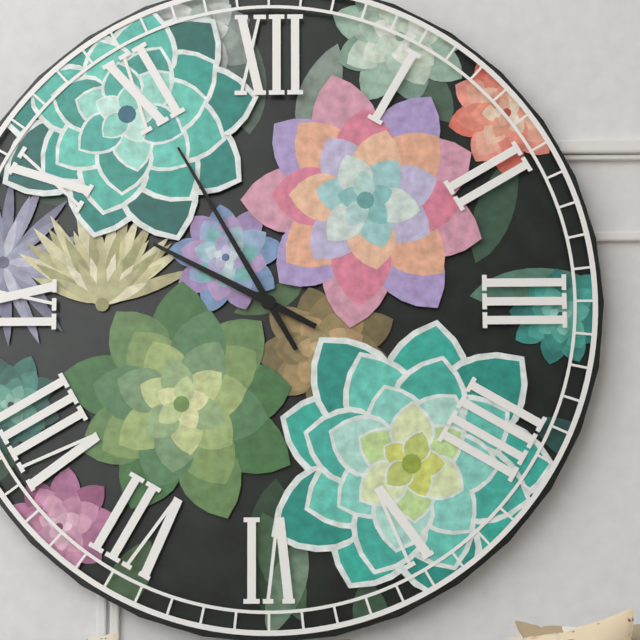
h=9 m=55
